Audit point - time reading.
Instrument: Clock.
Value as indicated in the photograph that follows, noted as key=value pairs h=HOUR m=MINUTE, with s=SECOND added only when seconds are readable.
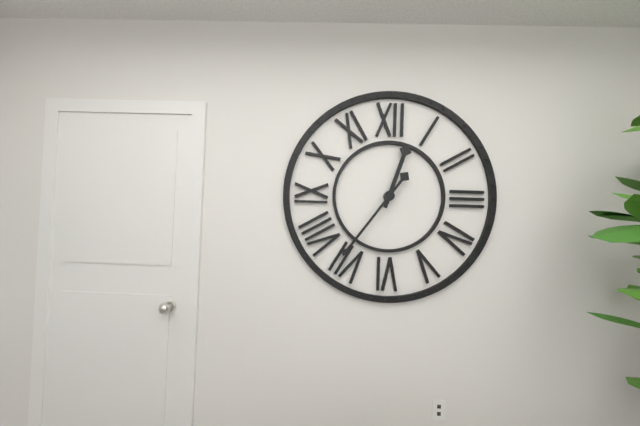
h=12 m=36
